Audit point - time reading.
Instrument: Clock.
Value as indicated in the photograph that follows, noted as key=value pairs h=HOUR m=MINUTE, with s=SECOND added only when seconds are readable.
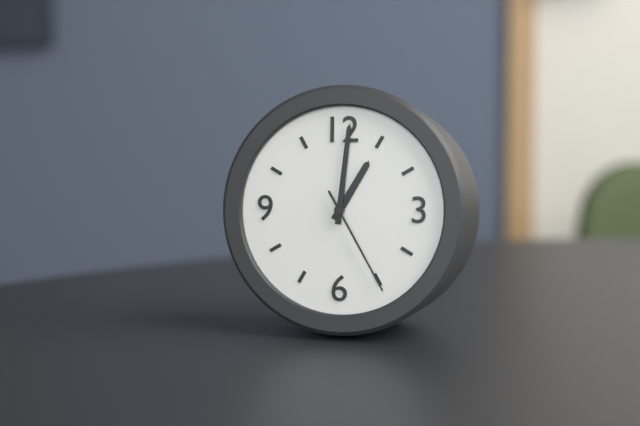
h=1 m=1 s=25
